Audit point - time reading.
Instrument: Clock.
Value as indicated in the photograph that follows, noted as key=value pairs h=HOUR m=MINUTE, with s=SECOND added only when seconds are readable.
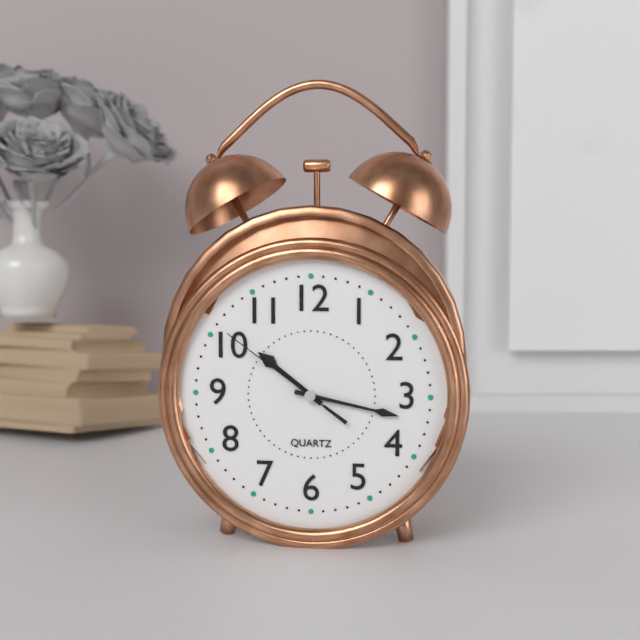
h=10 m=17 s=51
